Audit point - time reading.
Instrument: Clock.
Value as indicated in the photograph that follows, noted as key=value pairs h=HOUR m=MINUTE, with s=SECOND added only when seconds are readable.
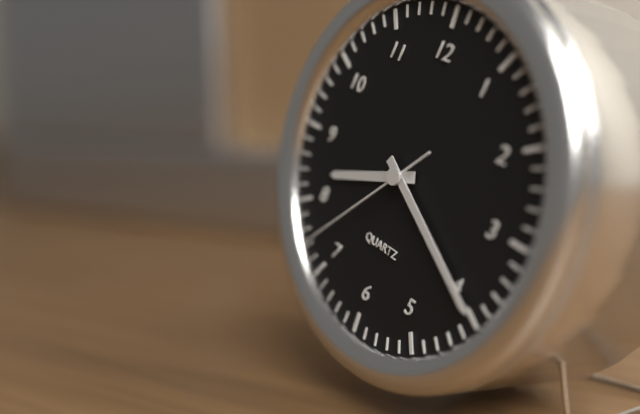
h=8 m=20 s=37
